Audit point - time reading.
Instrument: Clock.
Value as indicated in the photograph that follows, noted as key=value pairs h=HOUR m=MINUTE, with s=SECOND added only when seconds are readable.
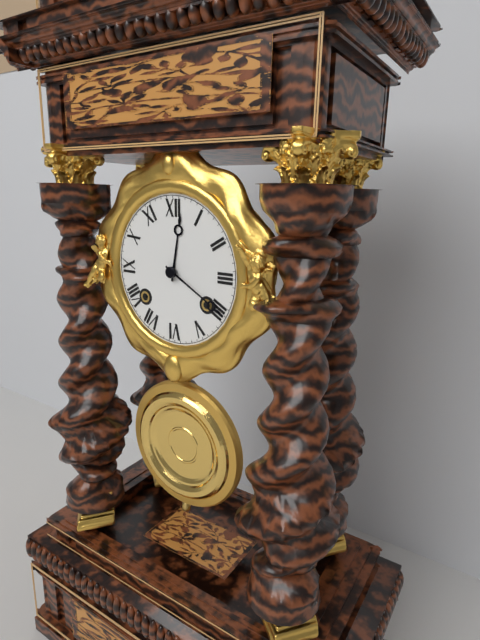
h=12 m=20
